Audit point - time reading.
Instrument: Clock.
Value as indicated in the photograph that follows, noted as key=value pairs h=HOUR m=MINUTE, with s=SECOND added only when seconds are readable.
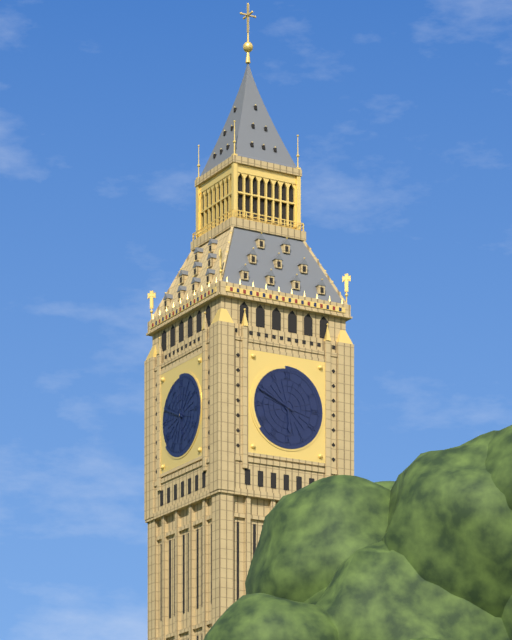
h=5 m=49
